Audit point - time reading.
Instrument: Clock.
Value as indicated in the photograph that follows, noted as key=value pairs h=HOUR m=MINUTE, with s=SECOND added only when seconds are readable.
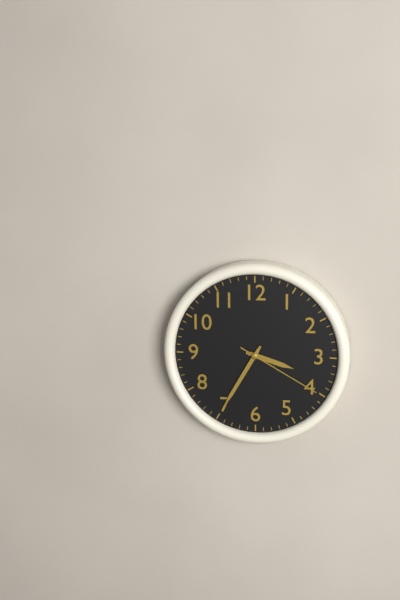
h=3 m=35 s=20
